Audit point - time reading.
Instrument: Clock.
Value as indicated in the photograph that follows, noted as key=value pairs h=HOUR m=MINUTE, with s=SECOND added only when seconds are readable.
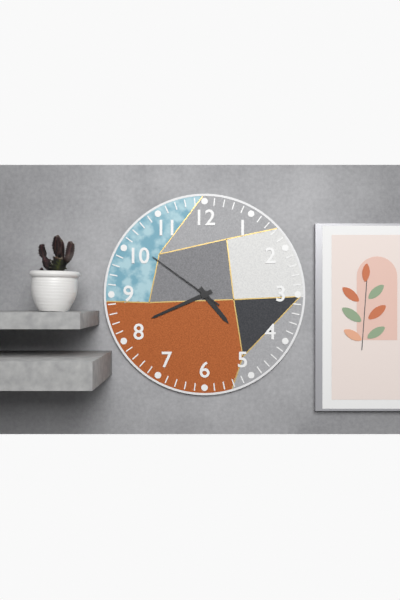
h=4 m=41 s=51
